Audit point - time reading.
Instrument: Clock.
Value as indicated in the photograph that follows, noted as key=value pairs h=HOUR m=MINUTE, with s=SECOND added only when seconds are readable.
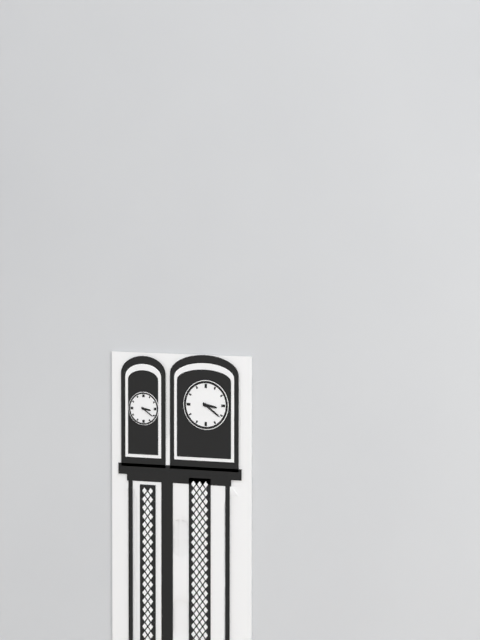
h=3 m=21
